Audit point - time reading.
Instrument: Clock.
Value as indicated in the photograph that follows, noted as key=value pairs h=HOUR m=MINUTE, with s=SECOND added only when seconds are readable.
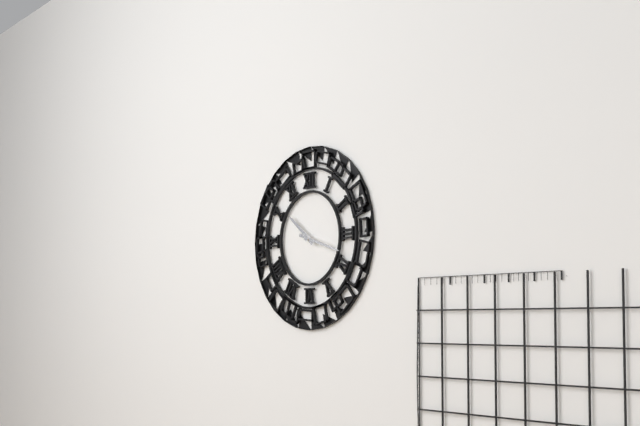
h=10 m=18
